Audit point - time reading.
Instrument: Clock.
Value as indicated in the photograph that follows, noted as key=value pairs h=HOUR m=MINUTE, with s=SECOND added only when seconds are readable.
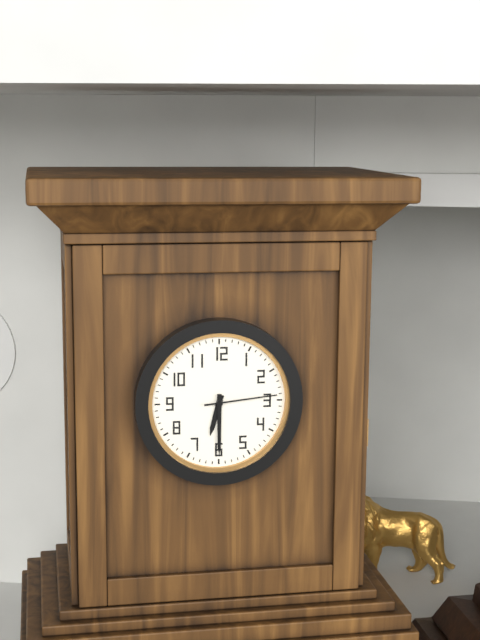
h=6 m=30 s=14
